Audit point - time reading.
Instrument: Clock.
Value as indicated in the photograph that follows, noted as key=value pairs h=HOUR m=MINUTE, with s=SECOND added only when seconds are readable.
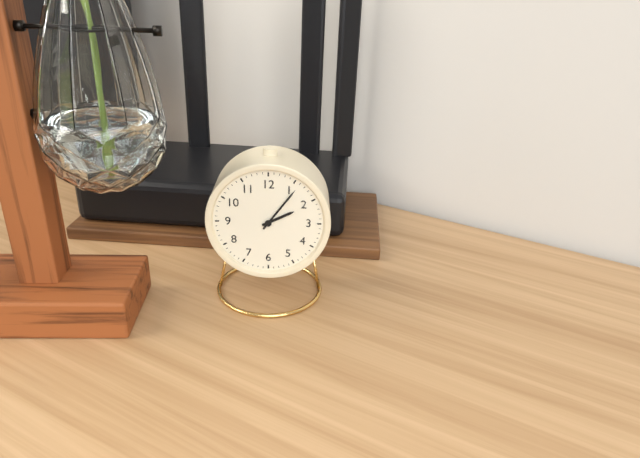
h=2 m=6
